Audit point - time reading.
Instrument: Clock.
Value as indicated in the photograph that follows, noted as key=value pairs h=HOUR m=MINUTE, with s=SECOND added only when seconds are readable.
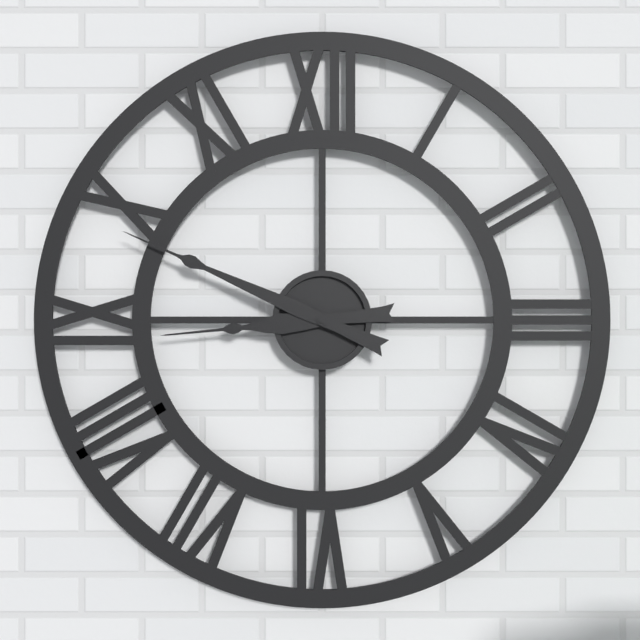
h=8 m=49
